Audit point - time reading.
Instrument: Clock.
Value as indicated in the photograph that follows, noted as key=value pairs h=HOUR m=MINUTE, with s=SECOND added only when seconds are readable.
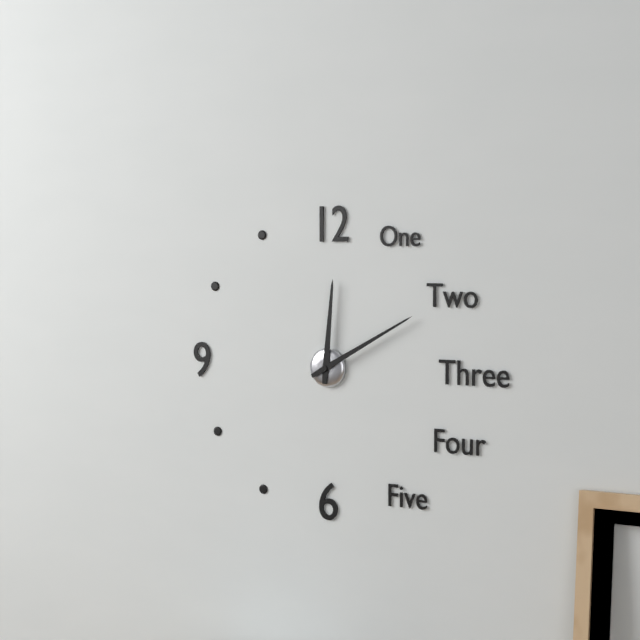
h=12 m=10
